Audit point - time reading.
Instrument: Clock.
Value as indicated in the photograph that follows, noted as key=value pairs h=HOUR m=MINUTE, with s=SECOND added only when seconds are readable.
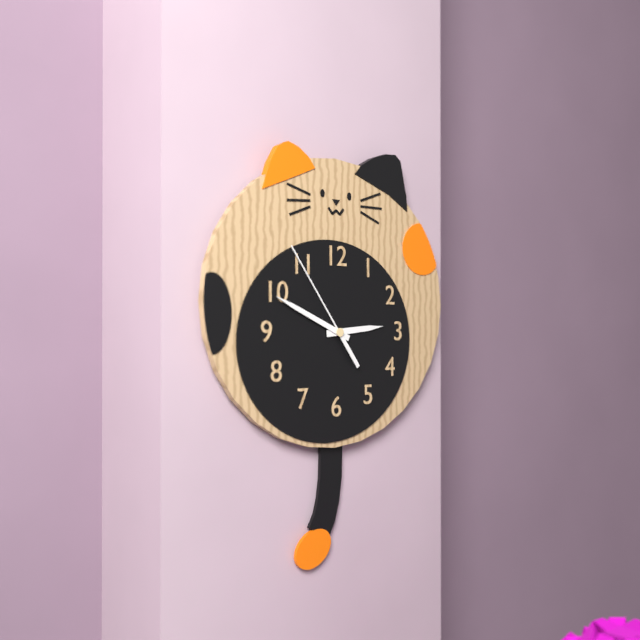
h=2 m=49 s=54
